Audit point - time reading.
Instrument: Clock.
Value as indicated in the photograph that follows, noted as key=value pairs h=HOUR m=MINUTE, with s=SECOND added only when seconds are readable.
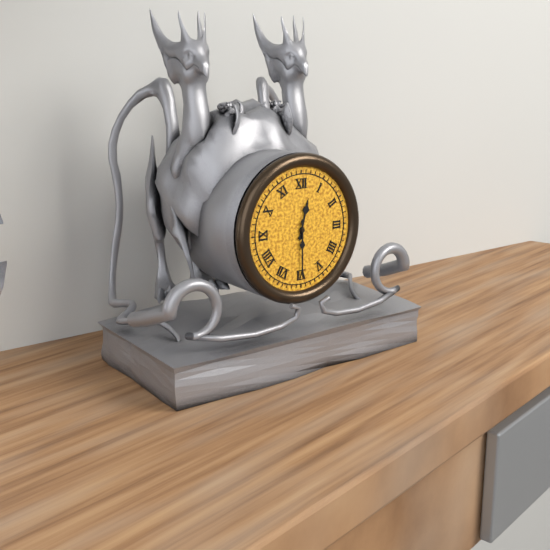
h=12 m=30
